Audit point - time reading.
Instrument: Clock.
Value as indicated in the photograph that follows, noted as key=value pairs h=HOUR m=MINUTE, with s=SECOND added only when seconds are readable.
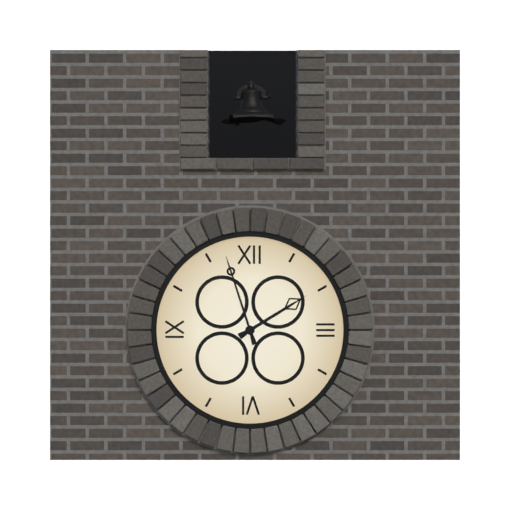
h=1 m=57
